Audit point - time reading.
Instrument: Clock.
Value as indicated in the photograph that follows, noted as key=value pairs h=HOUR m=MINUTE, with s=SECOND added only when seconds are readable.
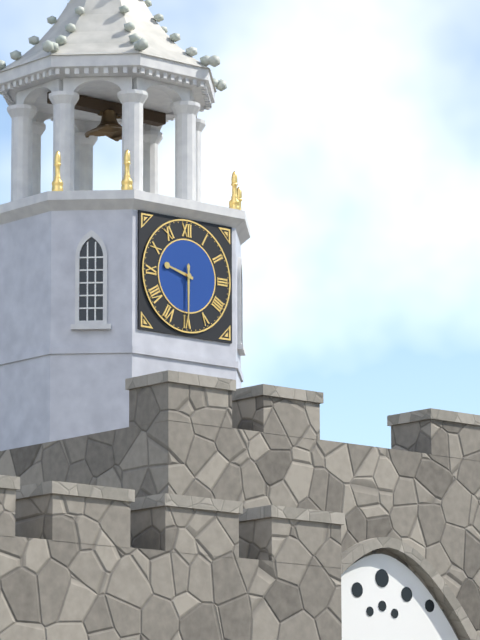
h=9 m=30
